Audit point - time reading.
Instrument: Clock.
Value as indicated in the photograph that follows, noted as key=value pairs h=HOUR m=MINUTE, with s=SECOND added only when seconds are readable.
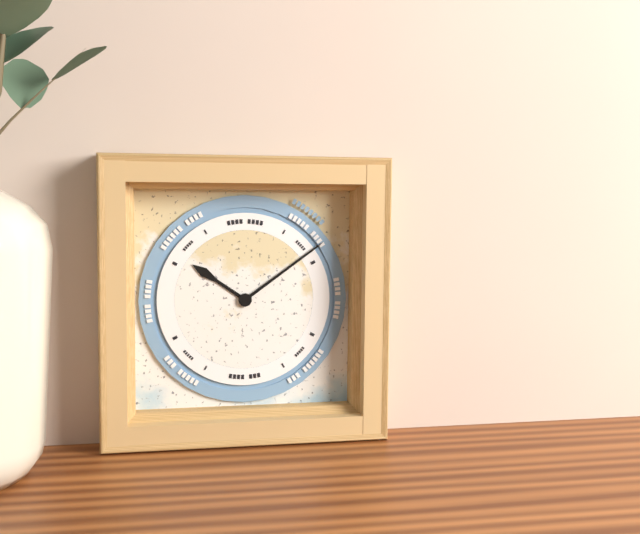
h=10 m=9
